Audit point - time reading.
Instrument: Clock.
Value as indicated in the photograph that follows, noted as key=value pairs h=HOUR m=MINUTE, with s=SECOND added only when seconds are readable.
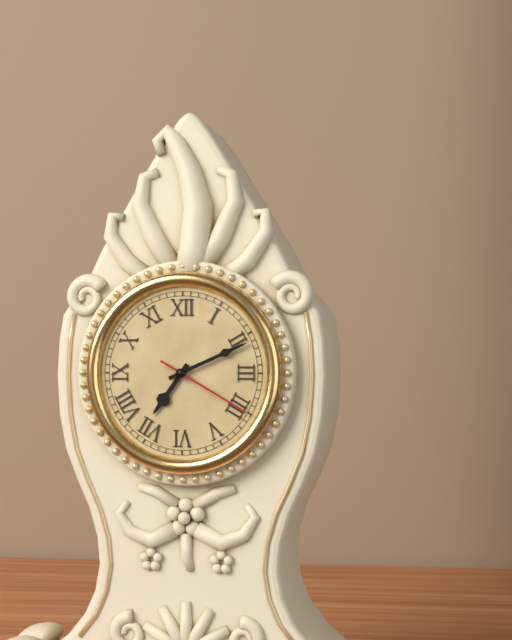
h=7 m=11 s=20
